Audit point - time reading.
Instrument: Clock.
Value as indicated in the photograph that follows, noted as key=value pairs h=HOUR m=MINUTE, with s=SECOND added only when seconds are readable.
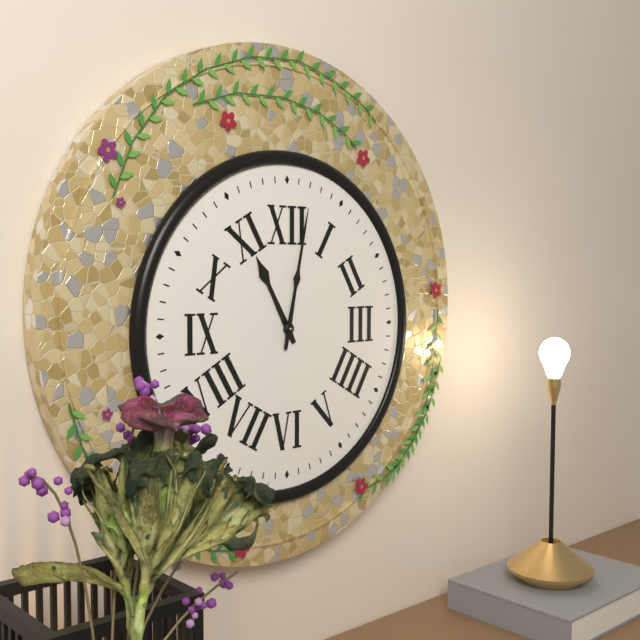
h=11 m=2
